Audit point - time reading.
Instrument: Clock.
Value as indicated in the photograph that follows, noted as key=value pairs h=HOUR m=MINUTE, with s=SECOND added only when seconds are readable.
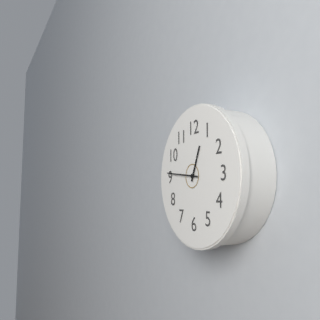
h=12 m=46
